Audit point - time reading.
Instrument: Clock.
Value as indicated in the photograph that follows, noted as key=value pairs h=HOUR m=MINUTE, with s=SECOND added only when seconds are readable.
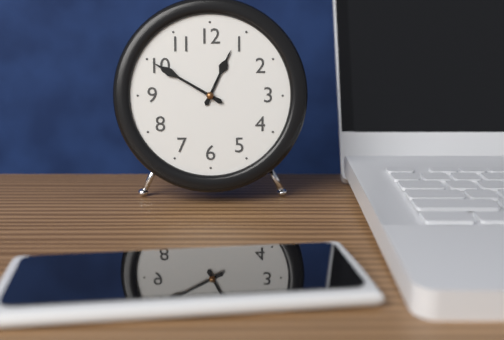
h=12 m=50
